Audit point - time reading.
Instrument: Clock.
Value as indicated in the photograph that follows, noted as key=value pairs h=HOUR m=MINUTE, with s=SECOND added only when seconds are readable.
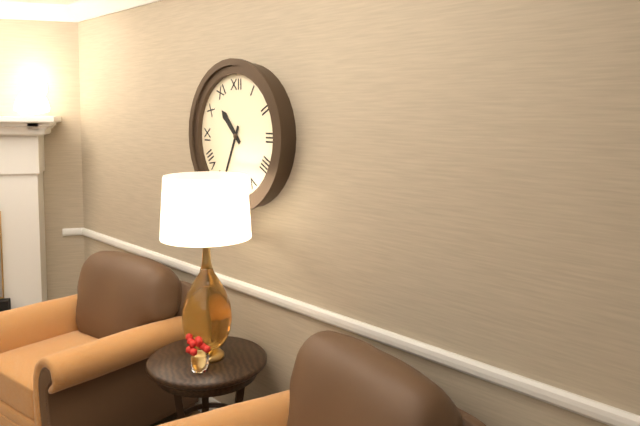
h=10 m=34
